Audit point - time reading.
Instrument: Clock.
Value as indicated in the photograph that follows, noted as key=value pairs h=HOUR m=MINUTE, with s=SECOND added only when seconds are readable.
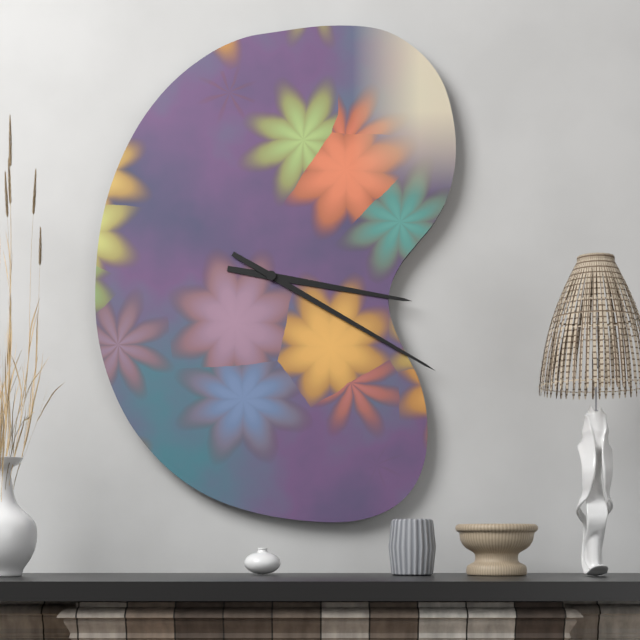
h=3 m=20
